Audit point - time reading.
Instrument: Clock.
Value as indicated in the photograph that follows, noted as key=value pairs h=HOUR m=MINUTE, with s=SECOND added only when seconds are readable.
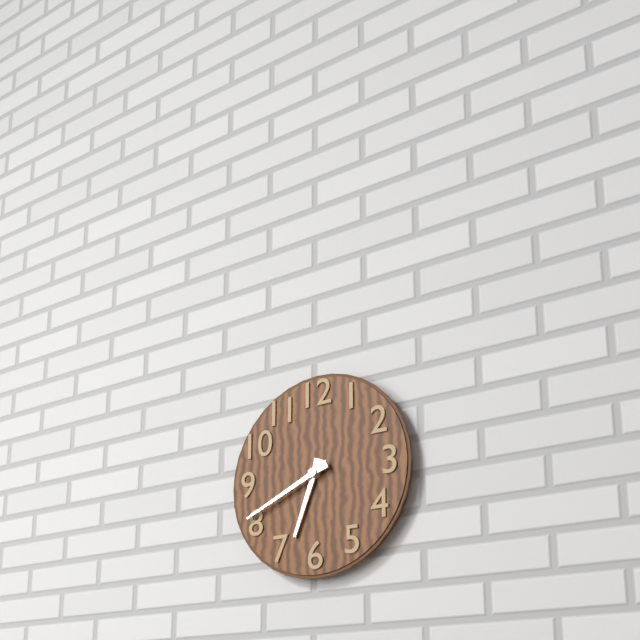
h=6 m=41
